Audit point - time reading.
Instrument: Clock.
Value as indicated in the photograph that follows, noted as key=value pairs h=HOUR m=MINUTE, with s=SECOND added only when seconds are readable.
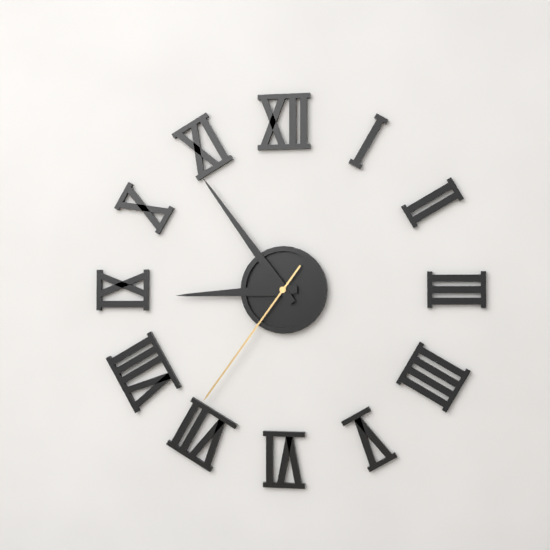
h=8 m=54 s=36
